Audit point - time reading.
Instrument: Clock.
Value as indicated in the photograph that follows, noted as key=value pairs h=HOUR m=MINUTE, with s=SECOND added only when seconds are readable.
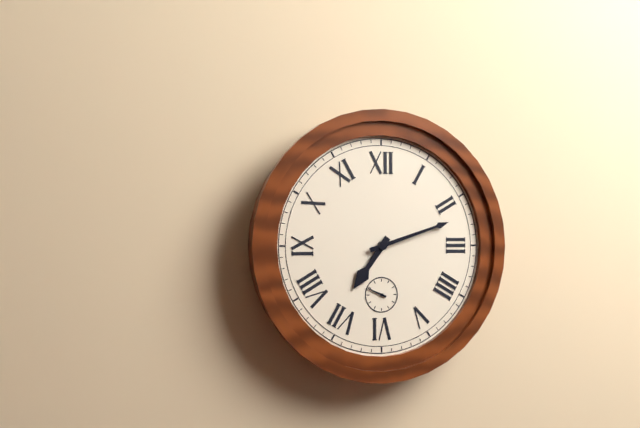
h=7 m=12
